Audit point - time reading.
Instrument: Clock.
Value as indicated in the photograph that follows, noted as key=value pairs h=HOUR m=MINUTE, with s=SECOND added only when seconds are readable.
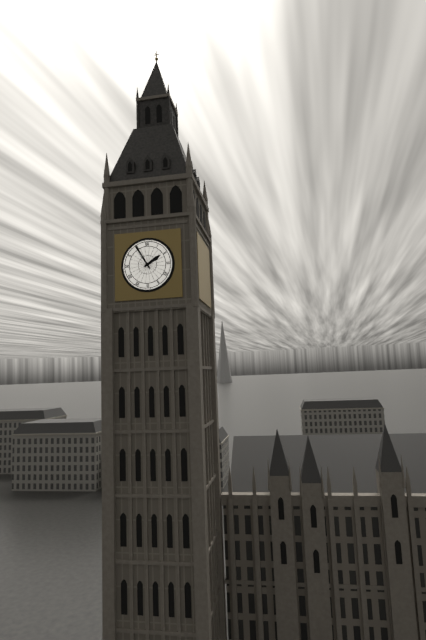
h=1 m=55
